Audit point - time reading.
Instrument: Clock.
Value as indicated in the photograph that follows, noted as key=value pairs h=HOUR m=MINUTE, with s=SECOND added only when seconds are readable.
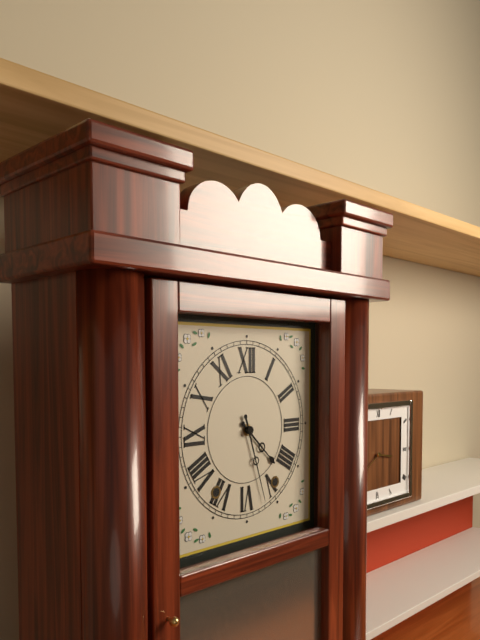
h=4 m=27
